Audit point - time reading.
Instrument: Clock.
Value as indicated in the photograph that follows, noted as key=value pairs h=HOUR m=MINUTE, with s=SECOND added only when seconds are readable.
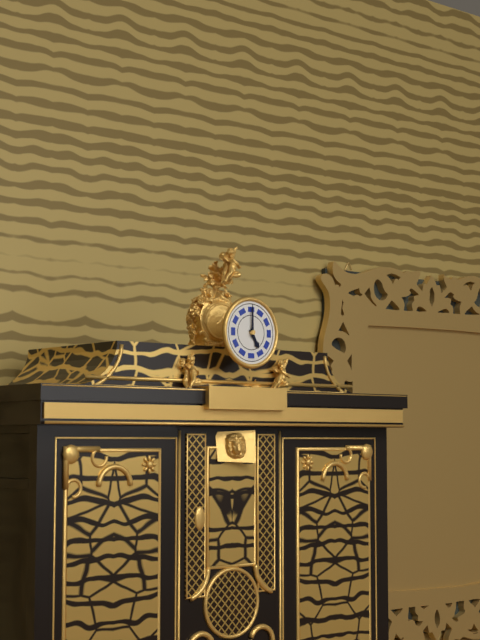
h=5 m=0
